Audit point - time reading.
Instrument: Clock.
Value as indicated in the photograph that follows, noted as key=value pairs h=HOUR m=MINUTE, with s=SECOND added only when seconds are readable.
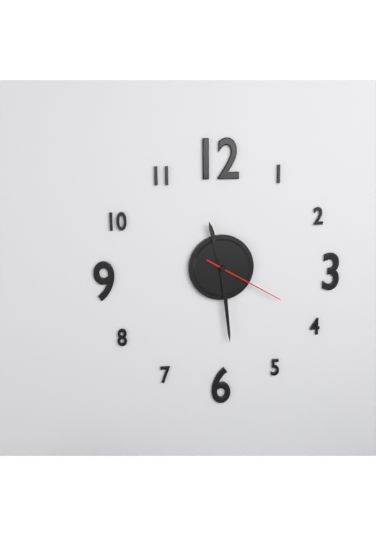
h=11 m=29 s=20
